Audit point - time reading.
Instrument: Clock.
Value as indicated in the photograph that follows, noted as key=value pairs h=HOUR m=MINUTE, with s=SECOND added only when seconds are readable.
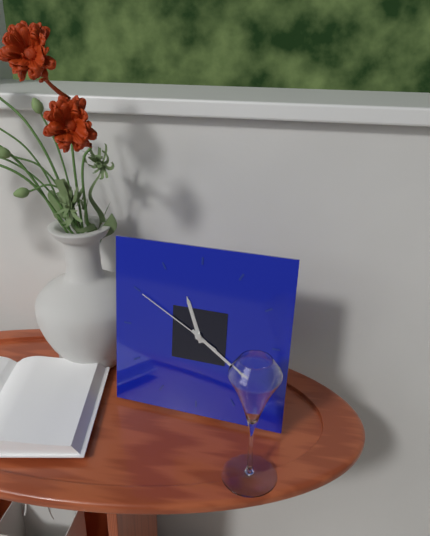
h=11 m=21 s=50
